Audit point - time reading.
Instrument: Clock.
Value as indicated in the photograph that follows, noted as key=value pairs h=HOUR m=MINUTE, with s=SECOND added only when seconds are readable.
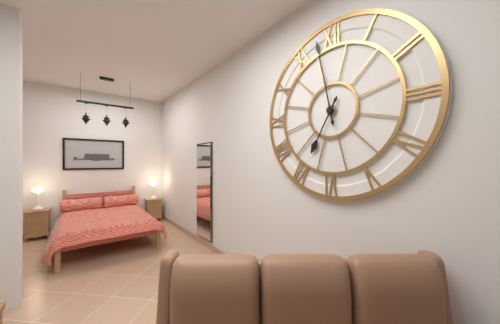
h=6 m=58
